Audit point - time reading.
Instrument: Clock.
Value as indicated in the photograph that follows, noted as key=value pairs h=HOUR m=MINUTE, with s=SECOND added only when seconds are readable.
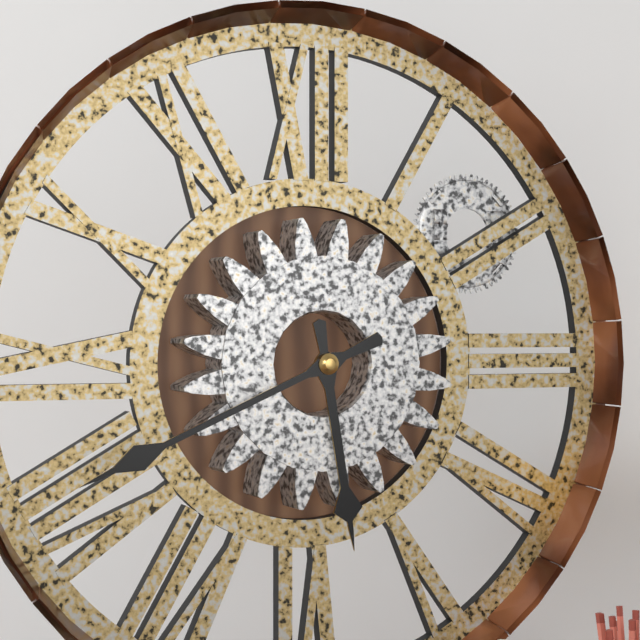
h=5 m=41
